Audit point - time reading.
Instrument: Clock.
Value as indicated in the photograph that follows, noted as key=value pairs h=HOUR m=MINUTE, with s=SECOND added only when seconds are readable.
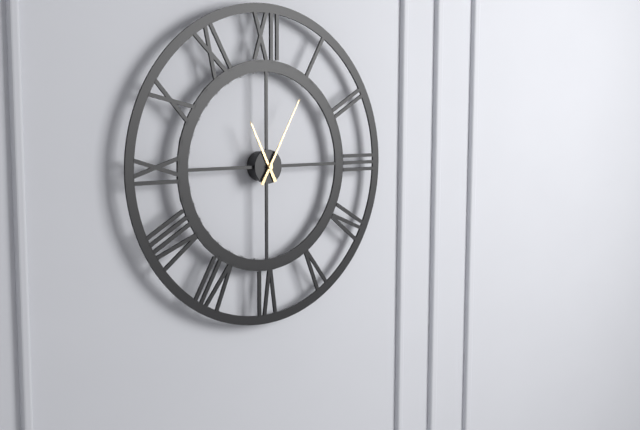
h=11 m=5
